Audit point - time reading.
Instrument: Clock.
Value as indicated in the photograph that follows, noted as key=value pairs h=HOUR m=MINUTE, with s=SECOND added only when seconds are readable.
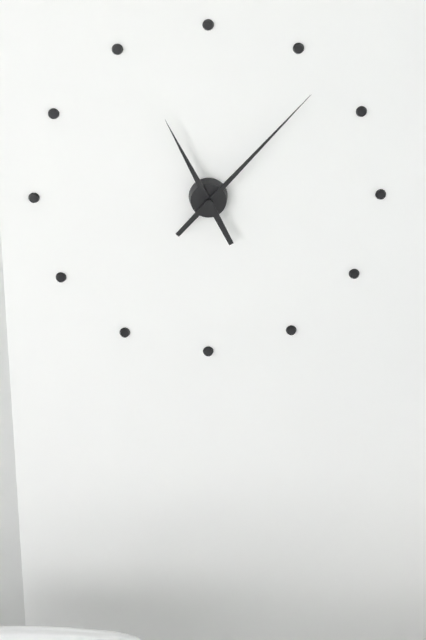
h=11 m=7
